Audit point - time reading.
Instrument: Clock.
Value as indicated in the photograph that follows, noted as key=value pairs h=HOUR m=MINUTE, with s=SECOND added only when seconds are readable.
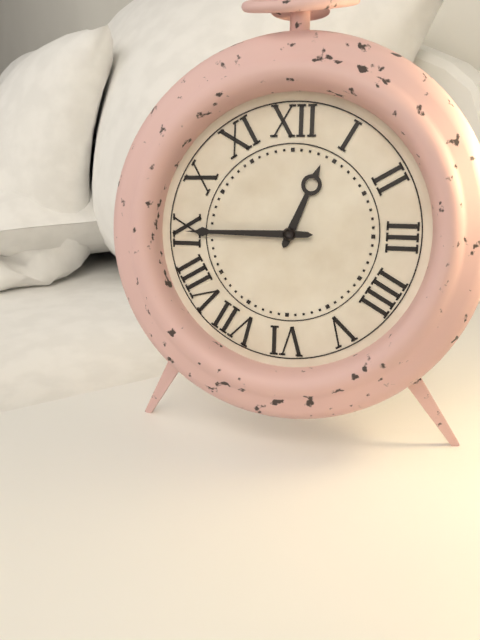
h=12 m=45
